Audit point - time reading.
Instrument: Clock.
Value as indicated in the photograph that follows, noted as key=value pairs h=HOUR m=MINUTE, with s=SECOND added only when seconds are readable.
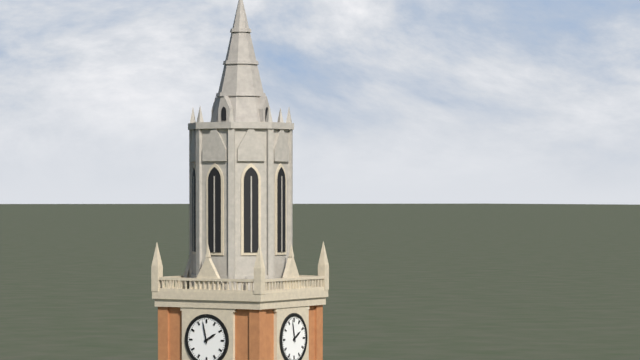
h=1 m=58
